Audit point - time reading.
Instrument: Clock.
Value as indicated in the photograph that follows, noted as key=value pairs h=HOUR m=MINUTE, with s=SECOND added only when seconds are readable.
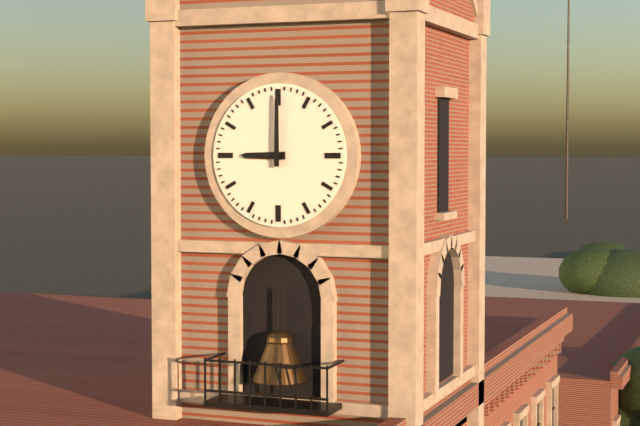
h=9 m=0
